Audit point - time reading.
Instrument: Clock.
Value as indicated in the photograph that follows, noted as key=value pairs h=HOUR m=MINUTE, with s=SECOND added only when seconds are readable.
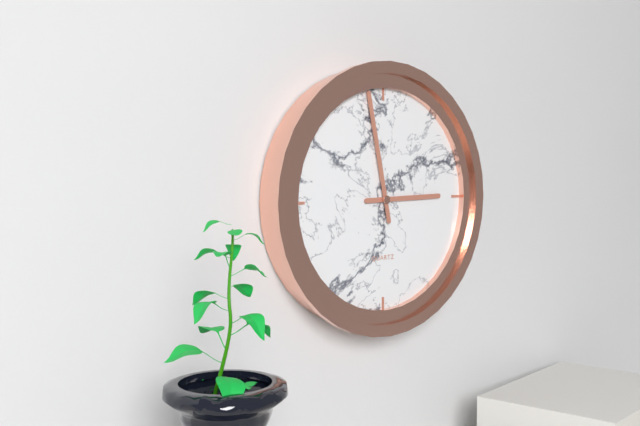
h=2 m=58
